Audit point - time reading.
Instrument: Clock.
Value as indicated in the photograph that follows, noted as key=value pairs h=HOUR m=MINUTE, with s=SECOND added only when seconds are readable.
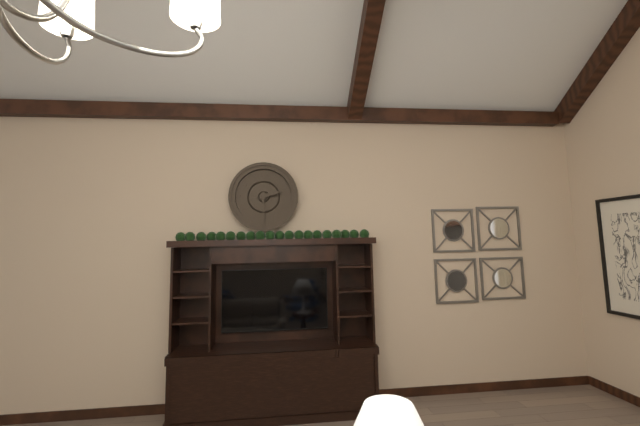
h=2 m=30
